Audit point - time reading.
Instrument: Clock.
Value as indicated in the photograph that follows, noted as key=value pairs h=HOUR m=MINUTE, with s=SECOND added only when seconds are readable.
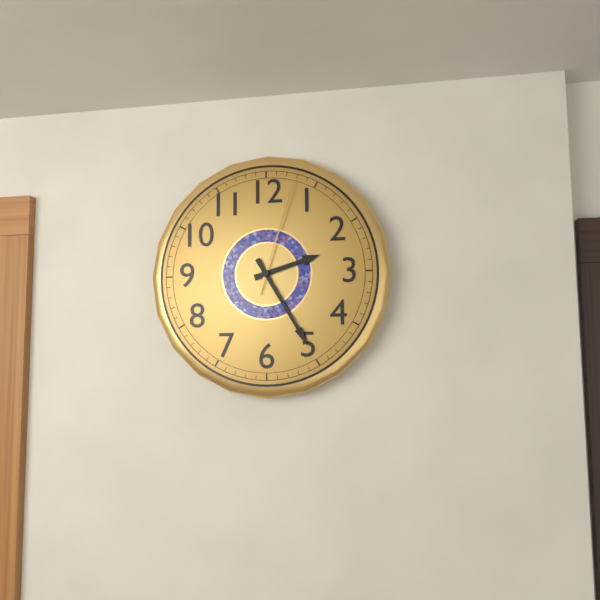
h=2 m=25 s=3
